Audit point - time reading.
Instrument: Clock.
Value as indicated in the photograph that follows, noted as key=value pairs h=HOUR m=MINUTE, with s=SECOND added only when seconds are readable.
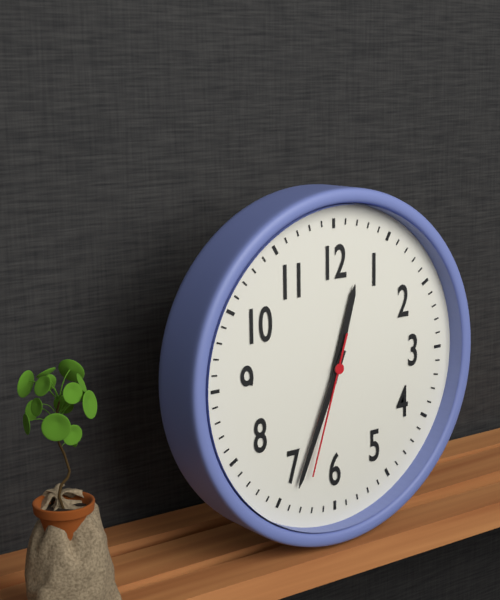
h=12 m=34 s=33
